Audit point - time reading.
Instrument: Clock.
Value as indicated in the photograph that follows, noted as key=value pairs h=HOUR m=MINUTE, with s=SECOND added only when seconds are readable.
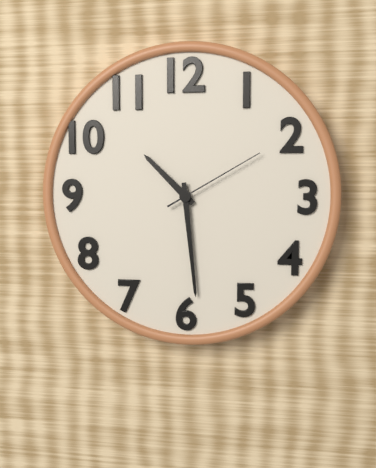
h=10 m=29 s=10
